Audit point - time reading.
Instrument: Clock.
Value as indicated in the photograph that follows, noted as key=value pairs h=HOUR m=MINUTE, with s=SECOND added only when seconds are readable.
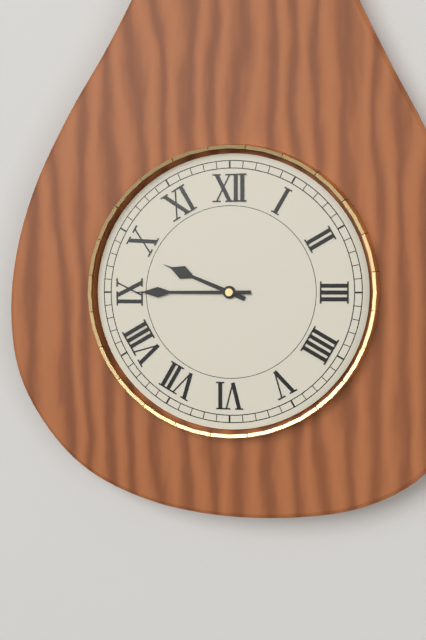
h=9 m=45
